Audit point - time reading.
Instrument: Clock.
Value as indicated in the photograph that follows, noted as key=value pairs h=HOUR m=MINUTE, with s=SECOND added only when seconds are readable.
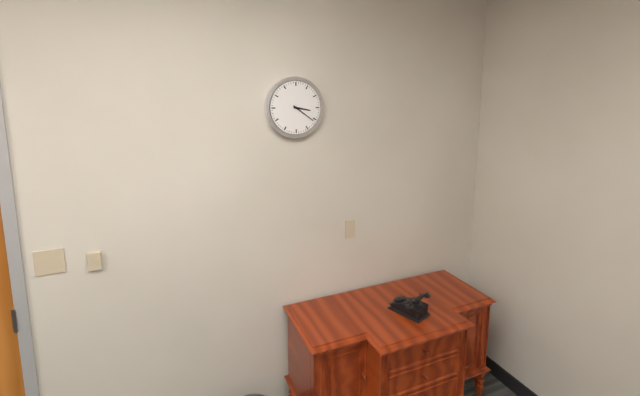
h=3 m=21
